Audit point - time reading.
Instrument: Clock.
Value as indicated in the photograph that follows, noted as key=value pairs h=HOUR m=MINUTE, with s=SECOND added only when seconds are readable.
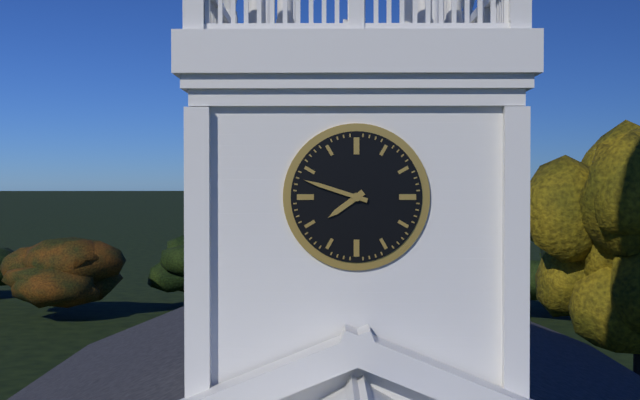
h=7 m=48
